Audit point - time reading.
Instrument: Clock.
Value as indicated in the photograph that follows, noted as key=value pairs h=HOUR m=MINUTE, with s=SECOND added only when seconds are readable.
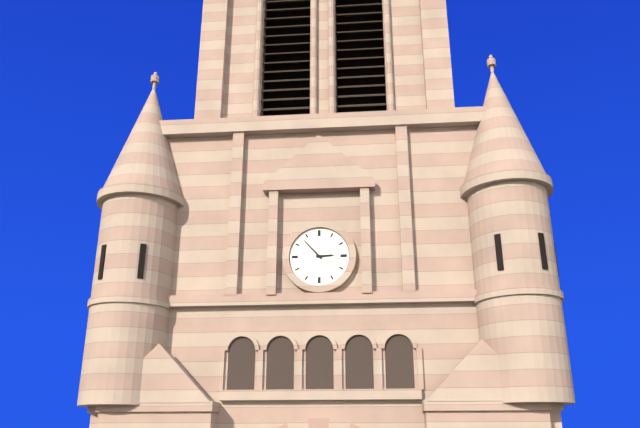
h=2 m=53
